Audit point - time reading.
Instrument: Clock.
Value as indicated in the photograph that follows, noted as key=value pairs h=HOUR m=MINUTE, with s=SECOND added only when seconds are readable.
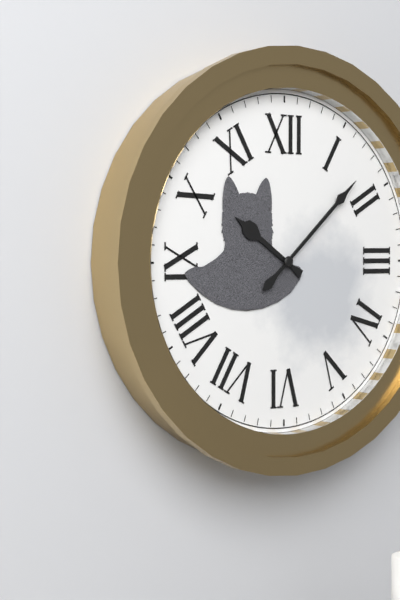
h=10 m=8
